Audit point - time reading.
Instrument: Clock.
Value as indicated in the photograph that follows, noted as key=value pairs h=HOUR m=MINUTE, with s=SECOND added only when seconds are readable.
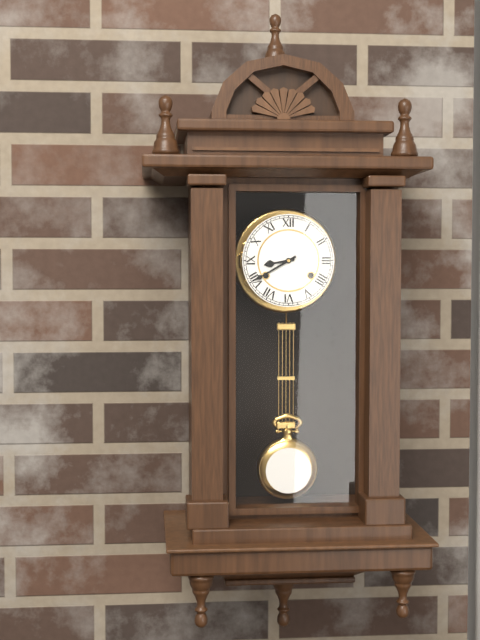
h=8 m=40
